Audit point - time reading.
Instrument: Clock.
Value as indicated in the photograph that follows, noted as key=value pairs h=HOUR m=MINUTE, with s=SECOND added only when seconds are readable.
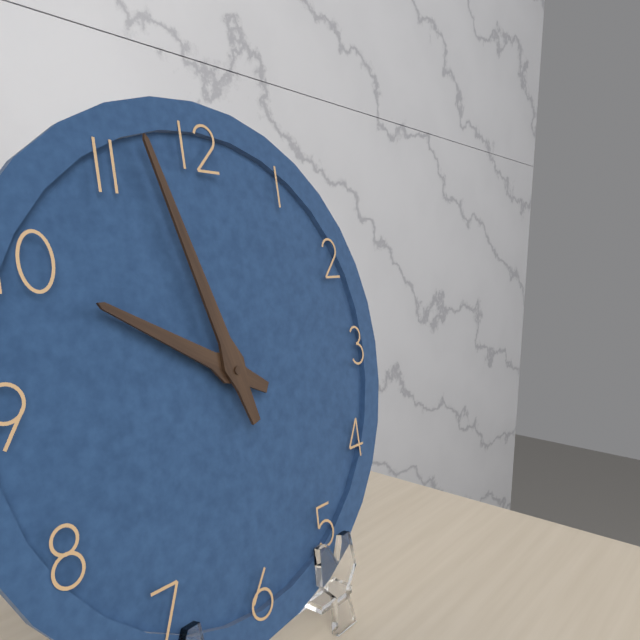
h=9 m=57
